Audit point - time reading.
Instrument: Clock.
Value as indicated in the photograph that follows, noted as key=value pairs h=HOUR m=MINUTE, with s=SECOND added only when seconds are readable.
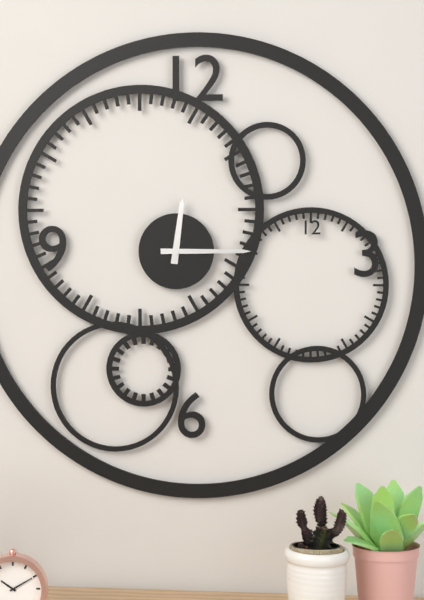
h=12 m=15
